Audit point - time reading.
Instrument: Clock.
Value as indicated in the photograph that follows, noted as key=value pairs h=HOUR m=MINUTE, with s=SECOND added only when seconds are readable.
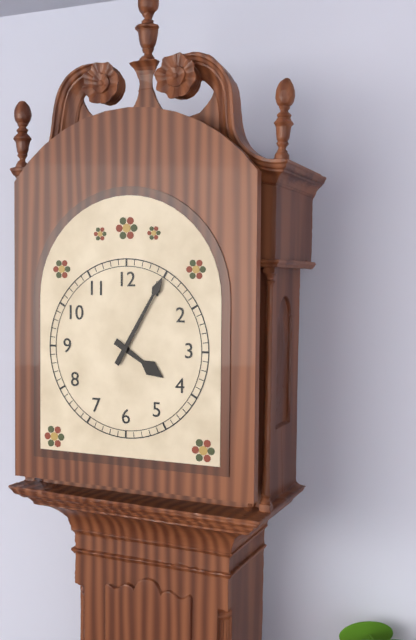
h=4 m=5
